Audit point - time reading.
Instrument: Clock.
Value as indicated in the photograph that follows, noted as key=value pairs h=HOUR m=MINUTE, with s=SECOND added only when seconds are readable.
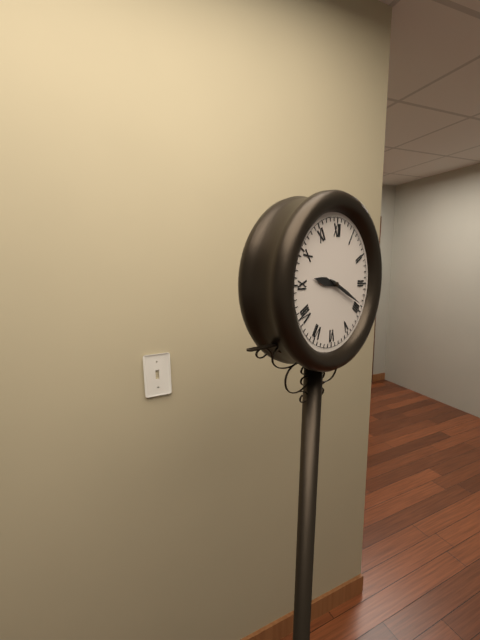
h=9 m=19
